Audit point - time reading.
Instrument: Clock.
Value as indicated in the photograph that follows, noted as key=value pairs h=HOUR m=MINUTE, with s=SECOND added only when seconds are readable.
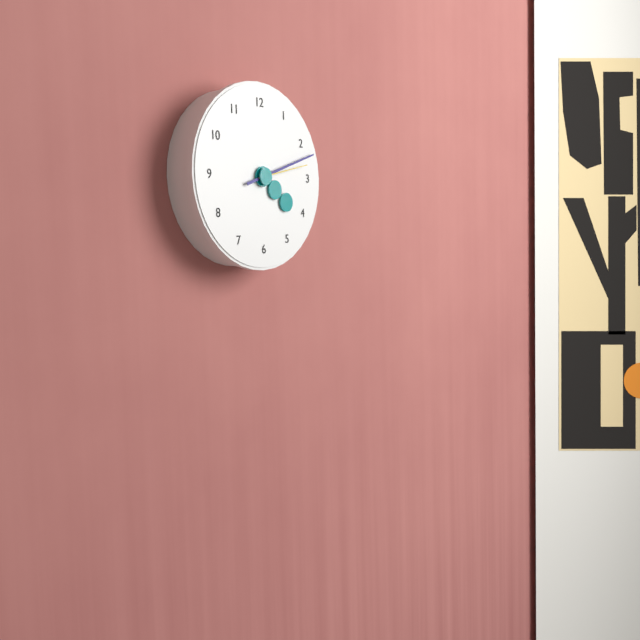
h=4 m=12 s=13
